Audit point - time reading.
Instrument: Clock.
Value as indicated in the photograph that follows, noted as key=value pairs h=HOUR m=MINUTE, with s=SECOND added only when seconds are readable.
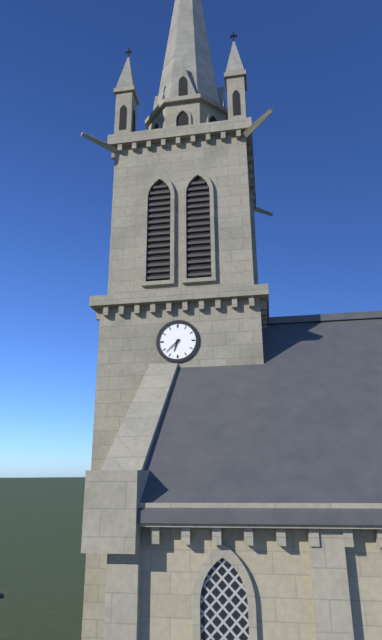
h=6 m=38
